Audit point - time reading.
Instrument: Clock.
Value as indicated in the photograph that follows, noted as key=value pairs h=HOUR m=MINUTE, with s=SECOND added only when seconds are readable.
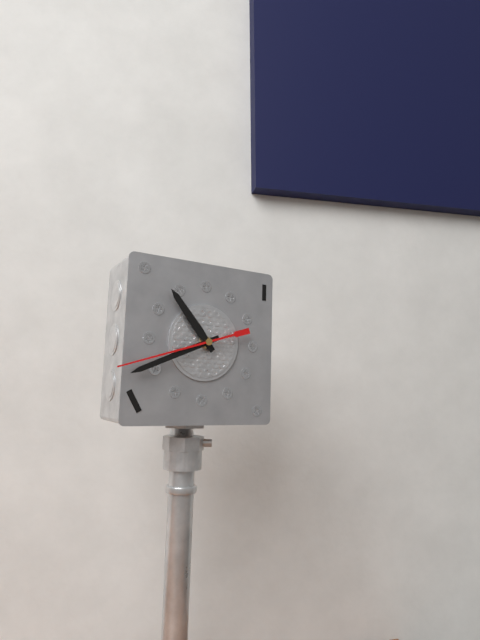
h=10 m=41 s=42
